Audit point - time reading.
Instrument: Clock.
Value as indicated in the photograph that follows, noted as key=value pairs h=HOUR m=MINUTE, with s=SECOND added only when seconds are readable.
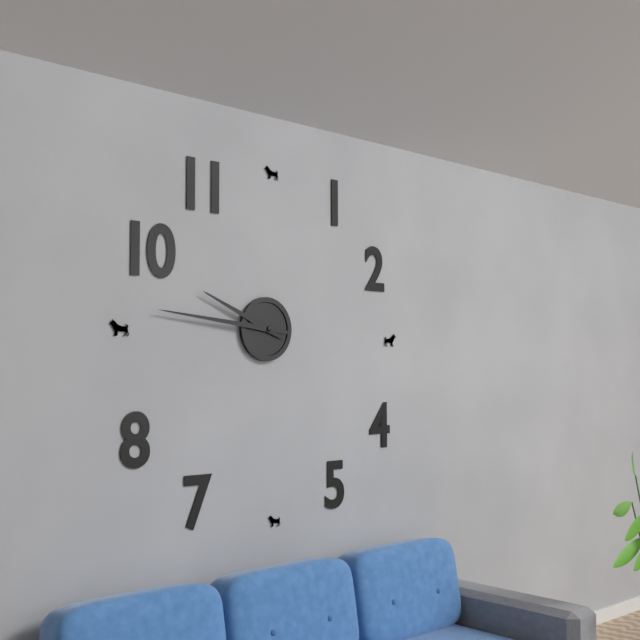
h=9 m=46
